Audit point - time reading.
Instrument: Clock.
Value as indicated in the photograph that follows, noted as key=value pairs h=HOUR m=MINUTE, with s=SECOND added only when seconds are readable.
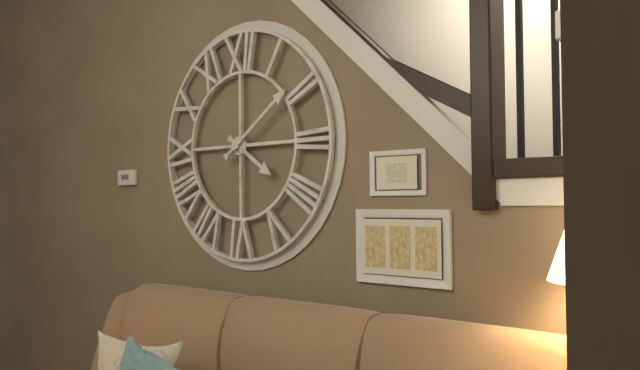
h=4 m=9
